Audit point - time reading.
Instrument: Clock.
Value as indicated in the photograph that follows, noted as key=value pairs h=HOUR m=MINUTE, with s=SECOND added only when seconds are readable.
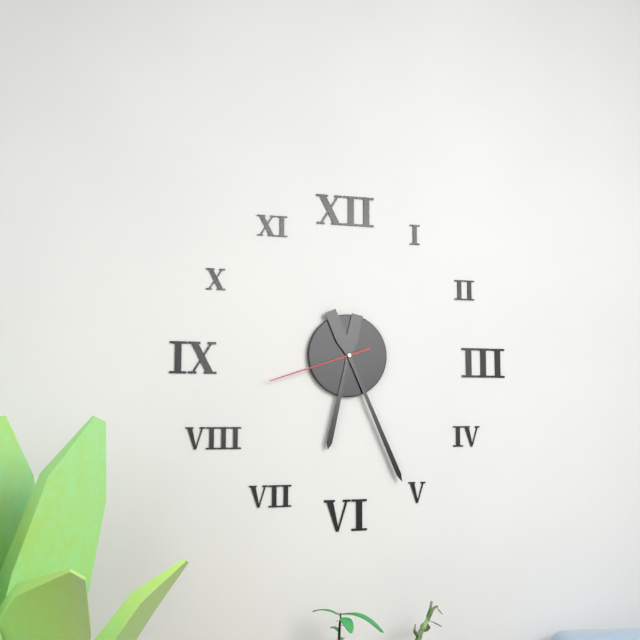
h=6 m=26 s=42
